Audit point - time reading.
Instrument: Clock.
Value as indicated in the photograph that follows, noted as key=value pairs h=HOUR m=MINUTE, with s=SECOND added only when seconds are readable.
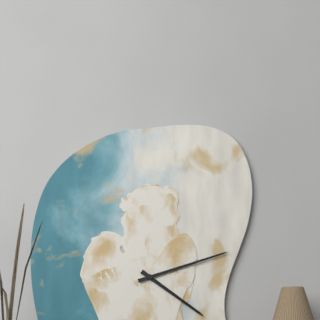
h=4 m=12
